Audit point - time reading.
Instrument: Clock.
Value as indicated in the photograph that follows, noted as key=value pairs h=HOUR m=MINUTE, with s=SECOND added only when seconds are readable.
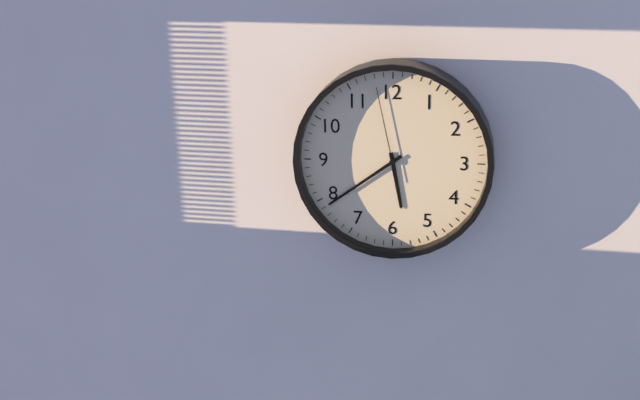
h=5 m=39 s=58
